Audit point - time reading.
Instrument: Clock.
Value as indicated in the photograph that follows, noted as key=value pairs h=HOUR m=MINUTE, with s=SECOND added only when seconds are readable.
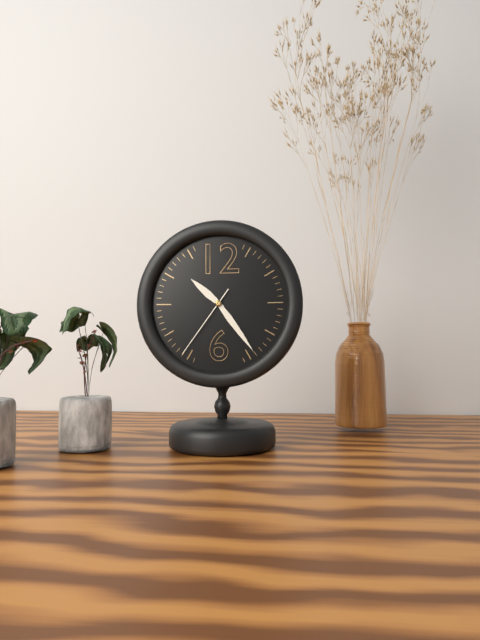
h=10 m=24 s=36
